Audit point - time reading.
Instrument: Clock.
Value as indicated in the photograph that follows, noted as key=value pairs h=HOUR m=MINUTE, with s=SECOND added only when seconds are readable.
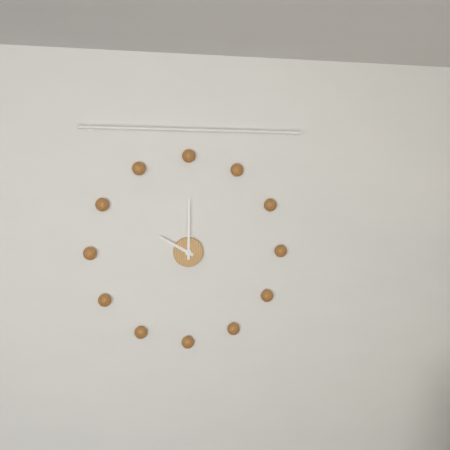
h=10 m=0
